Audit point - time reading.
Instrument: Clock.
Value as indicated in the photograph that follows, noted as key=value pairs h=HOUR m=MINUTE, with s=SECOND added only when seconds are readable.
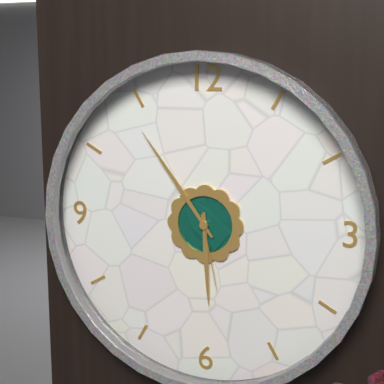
h=5 m=54 s=28
